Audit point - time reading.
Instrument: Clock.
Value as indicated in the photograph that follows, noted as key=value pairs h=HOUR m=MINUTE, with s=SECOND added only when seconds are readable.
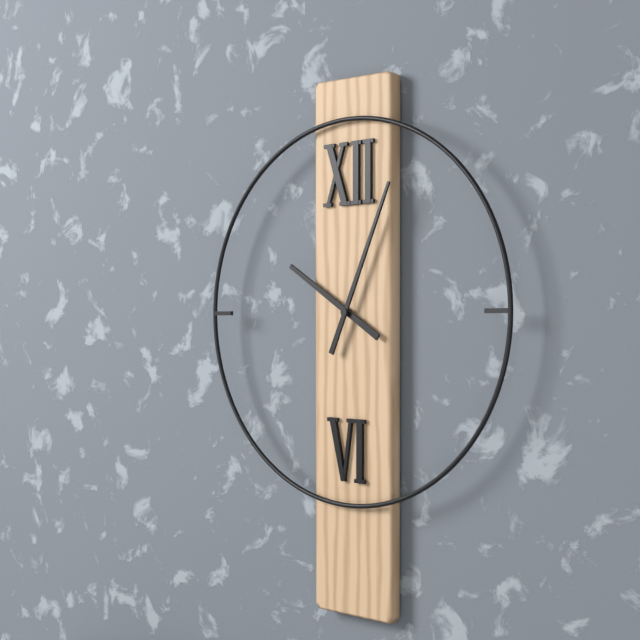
h=10 m=4
